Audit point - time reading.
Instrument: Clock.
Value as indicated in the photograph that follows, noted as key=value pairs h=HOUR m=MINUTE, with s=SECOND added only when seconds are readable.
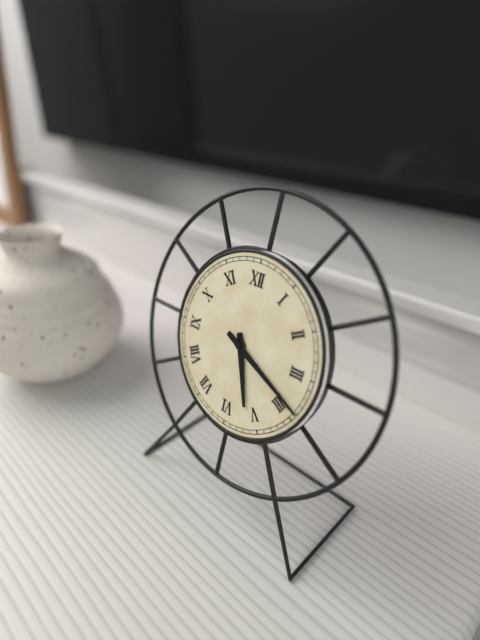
h=5 m=19
